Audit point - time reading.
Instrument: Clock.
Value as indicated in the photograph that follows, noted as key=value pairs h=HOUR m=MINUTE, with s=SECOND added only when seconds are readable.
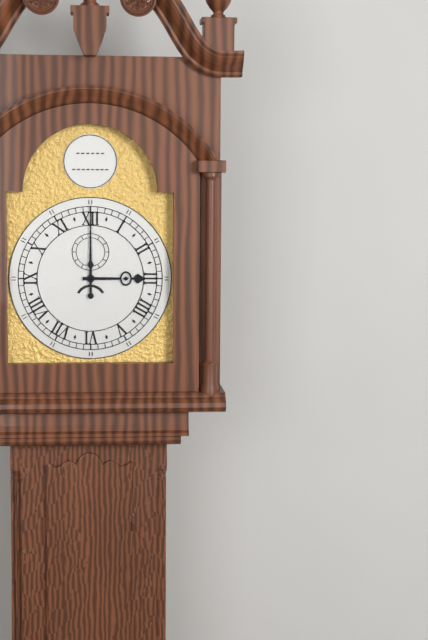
h=3 m=0
